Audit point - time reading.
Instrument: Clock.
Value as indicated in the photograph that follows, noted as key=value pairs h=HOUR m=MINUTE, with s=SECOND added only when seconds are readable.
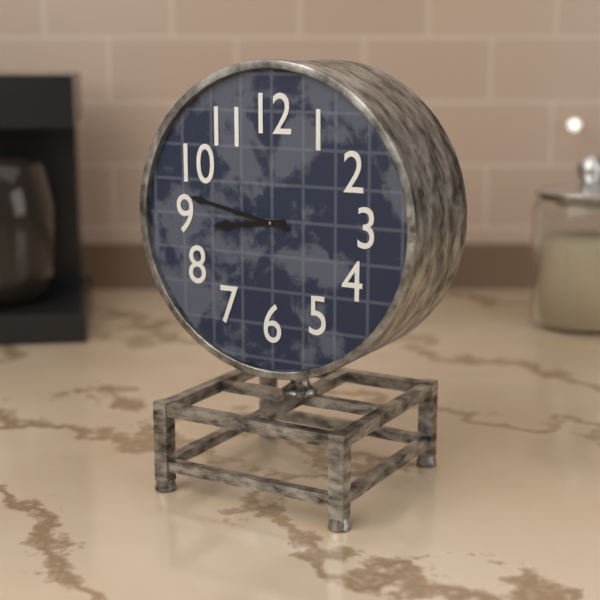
h=8 m=47
